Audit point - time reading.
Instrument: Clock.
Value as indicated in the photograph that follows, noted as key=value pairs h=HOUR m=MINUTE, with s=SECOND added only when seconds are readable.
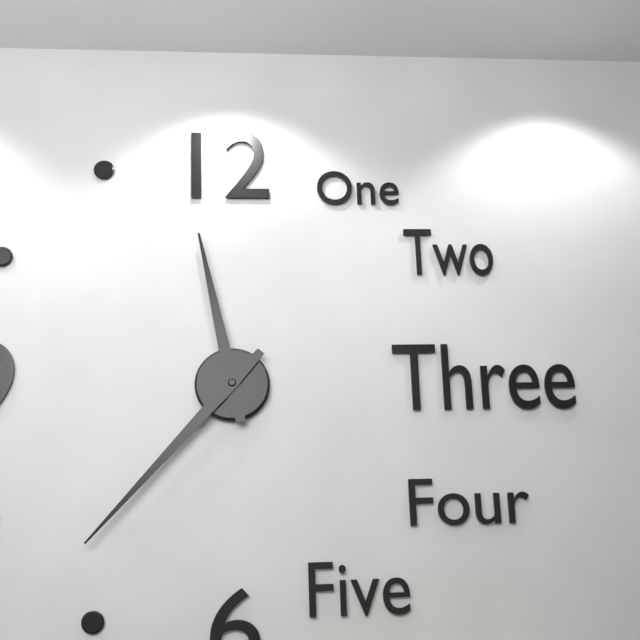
h=11 m=37
